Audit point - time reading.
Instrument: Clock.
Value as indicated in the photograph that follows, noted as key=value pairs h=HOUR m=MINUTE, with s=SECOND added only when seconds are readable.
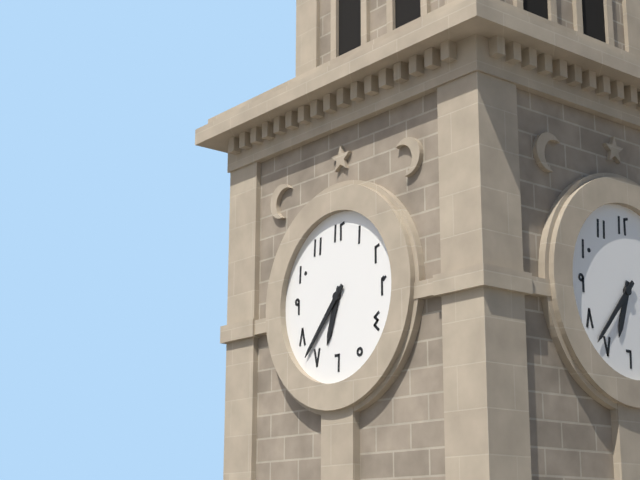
h=6 m=37
